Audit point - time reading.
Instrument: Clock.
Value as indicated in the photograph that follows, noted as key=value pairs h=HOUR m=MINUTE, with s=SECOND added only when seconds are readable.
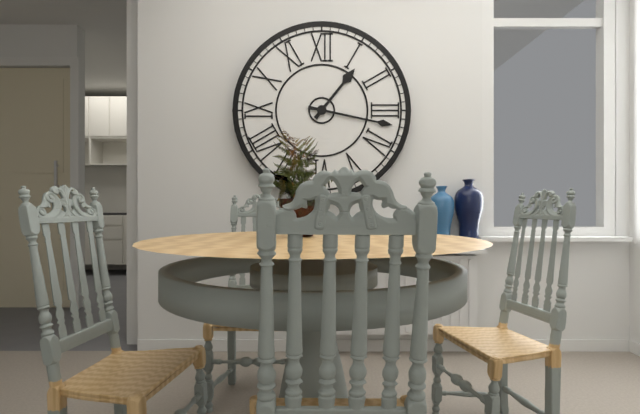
h=1 m=17
